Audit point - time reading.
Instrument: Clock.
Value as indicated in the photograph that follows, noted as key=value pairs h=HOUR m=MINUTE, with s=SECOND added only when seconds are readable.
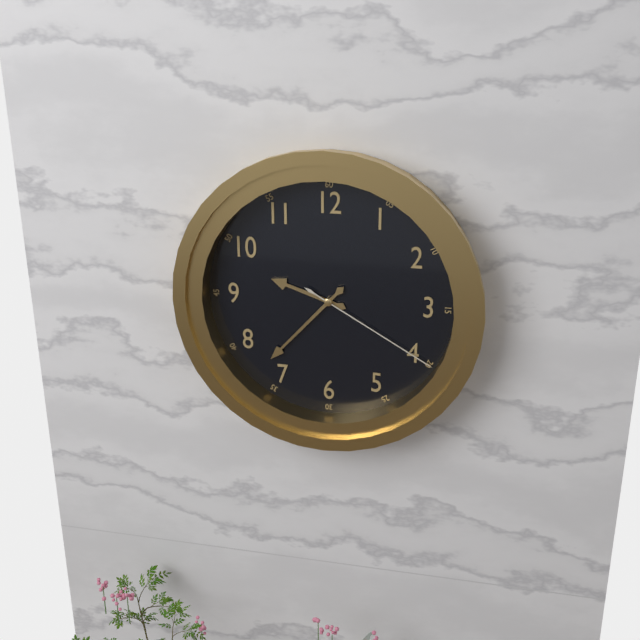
h=9 m=37 s=20
